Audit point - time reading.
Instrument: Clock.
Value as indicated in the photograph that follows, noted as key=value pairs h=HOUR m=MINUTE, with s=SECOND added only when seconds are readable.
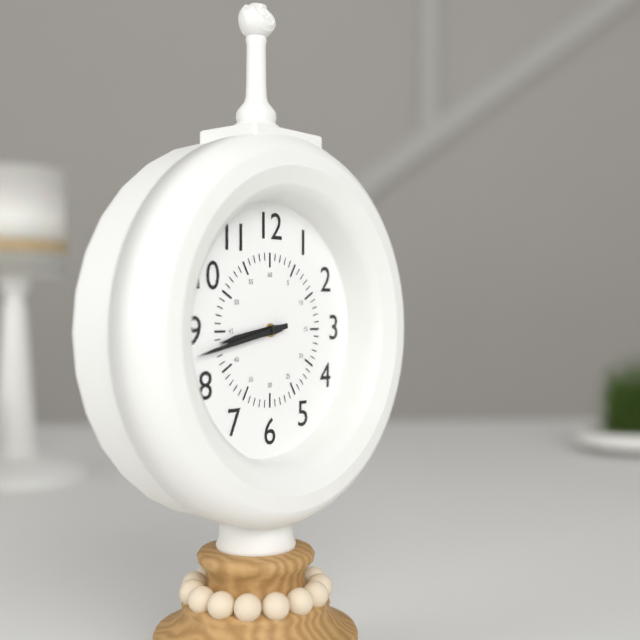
h=8 m=43
